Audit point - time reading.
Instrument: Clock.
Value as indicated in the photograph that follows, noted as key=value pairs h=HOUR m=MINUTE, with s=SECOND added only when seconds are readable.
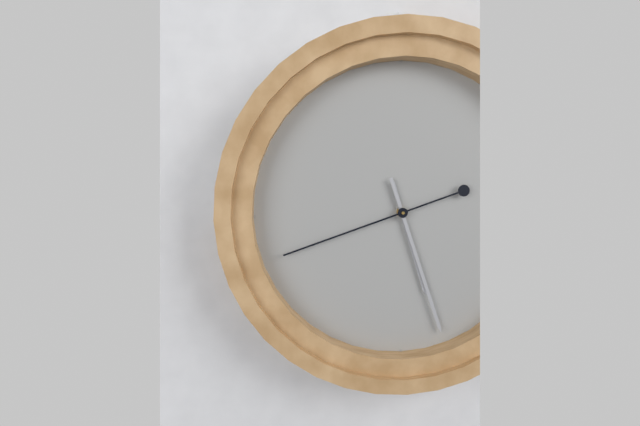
h=5 m=27 s=42
